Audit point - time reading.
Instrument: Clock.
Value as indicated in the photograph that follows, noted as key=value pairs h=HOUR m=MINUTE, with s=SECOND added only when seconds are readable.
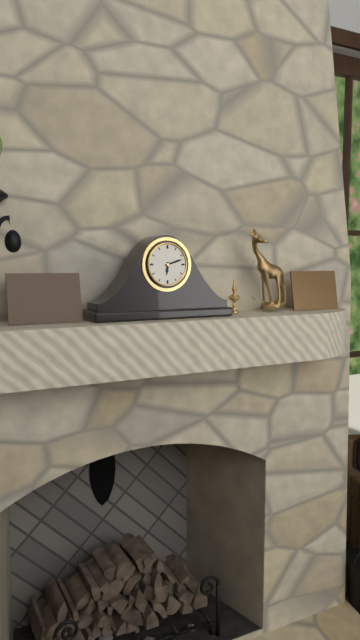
h=6 m=12
